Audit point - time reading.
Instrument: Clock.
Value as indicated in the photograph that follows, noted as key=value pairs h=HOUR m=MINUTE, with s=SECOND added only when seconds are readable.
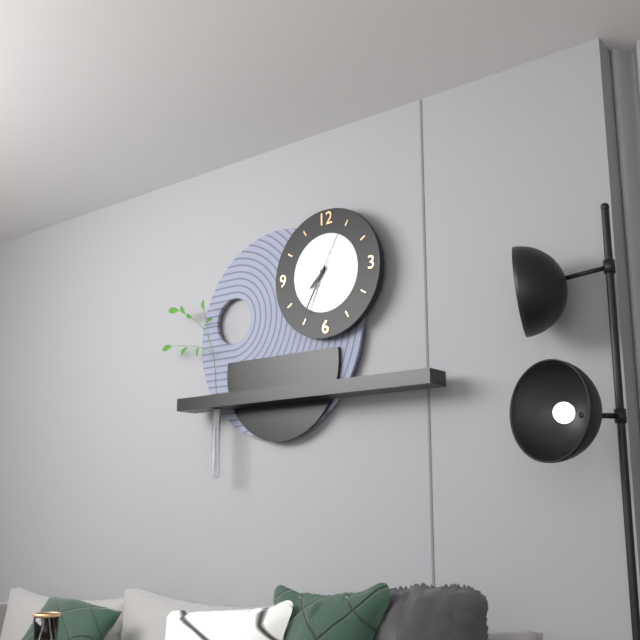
h=7 m=35 s=5
